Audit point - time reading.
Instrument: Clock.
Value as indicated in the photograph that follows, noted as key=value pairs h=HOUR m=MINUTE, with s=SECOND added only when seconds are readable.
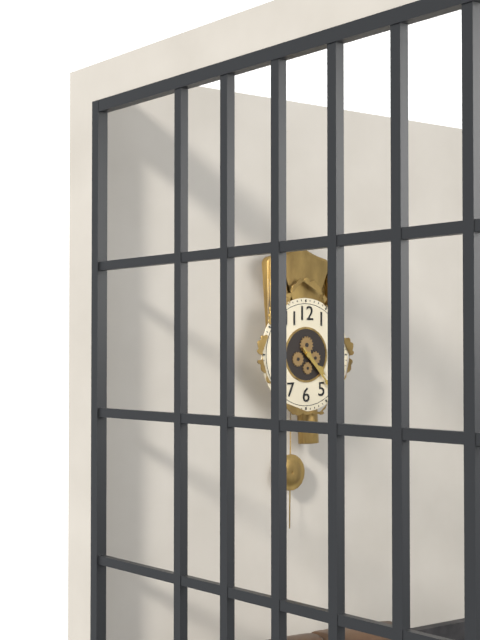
h=4 m=23
